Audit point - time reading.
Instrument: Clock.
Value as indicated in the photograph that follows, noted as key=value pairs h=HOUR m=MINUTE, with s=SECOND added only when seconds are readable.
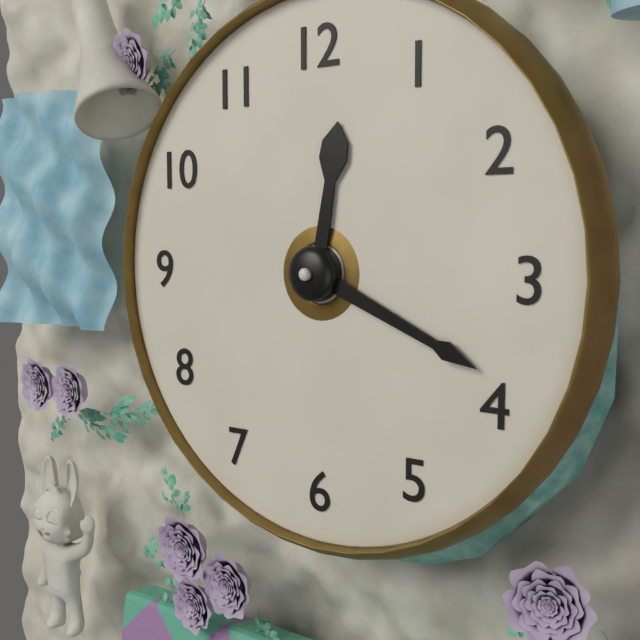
h=12 m=19
